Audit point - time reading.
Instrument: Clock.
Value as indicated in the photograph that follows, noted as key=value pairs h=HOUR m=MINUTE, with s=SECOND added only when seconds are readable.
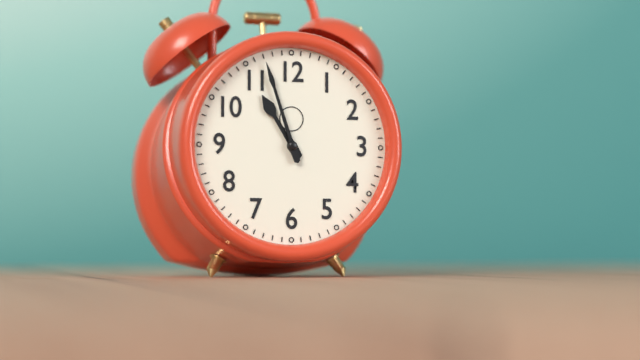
h=10 m=57
